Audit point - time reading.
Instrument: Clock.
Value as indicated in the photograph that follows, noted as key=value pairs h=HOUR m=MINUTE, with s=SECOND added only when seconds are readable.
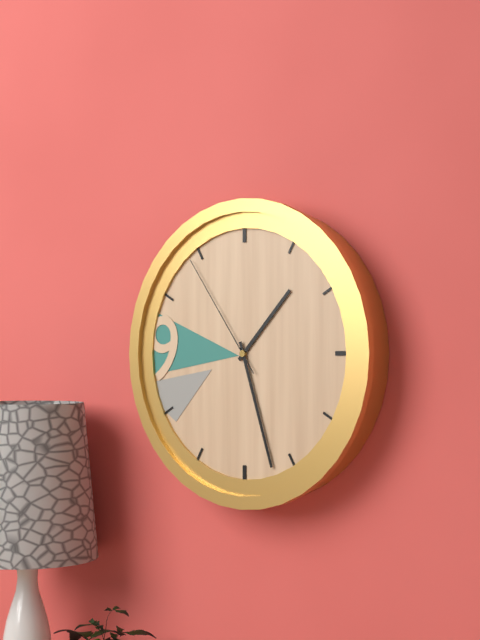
h=1 m=27 s=54
